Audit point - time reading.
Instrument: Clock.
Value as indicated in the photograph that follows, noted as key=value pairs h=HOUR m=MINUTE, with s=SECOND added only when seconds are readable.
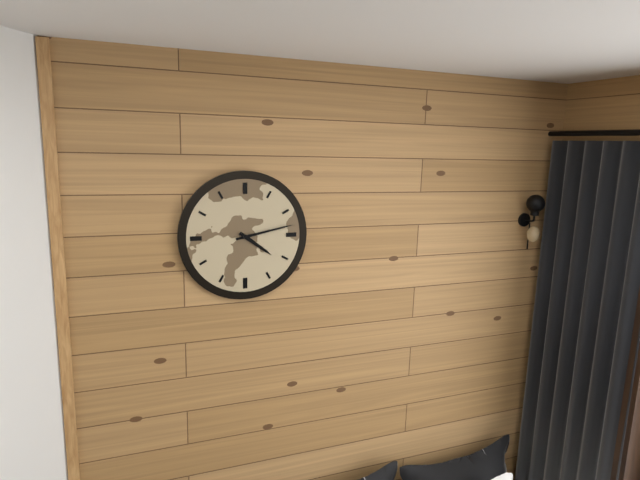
h=4 m=13
